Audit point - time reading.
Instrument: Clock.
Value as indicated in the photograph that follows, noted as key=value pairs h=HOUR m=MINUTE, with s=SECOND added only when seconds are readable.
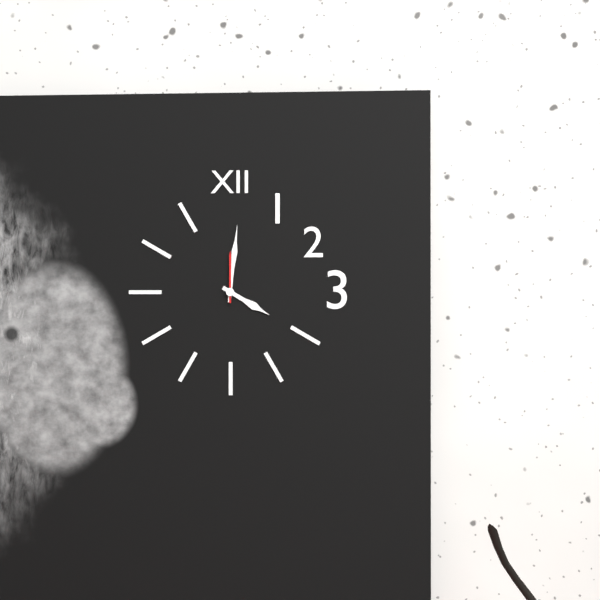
h=4 m=1 s=0
